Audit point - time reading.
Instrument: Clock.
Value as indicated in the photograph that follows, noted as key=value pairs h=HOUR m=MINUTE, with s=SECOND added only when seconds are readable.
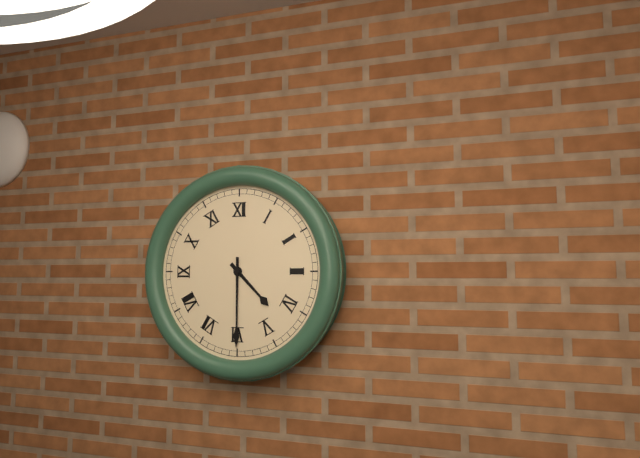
h=4 m=30
